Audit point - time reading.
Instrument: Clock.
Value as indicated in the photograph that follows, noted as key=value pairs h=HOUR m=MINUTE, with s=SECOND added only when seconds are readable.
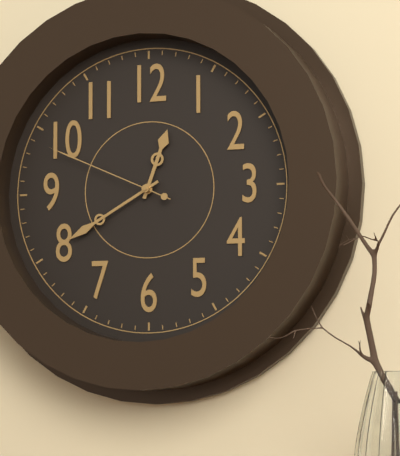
h=12 m=40 s=49
